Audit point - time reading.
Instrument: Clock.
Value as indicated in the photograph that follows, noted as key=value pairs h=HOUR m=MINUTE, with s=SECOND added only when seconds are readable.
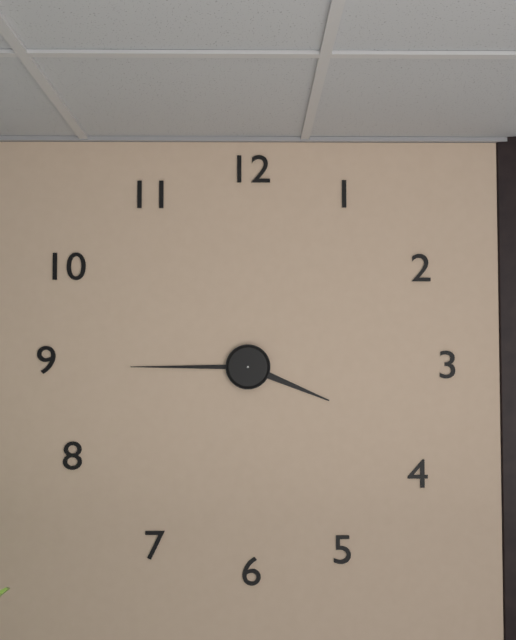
h=3 m=45
